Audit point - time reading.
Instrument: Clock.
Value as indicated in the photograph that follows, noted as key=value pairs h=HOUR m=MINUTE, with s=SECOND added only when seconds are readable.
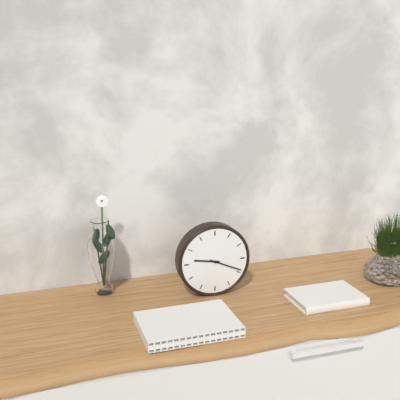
h=9 m=19
